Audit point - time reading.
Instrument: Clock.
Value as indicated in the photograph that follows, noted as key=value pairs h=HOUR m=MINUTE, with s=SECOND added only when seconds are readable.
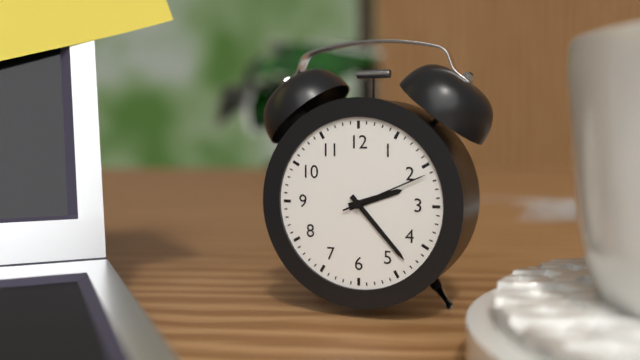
h=2 m=23 s=11
